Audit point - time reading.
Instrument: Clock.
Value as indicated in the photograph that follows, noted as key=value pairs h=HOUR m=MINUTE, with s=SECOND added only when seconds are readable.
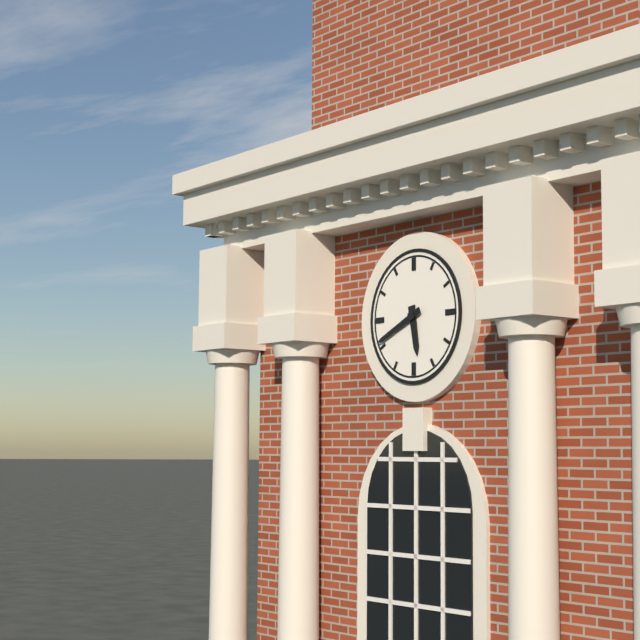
h=5 m=41
